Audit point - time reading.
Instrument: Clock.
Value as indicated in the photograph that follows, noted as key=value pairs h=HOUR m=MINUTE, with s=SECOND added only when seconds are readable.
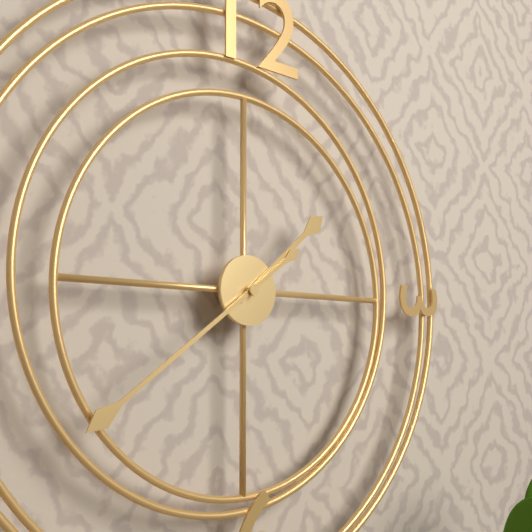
h=1 m=39
